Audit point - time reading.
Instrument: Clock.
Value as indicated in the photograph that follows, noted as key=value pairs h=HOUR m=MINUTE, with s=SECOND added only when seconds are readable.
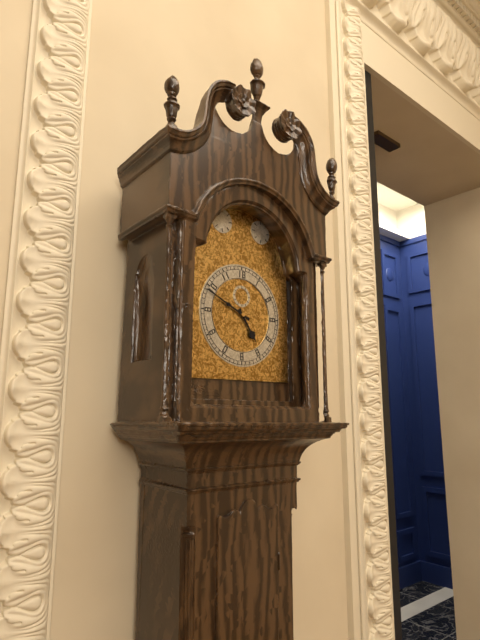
h=4 m=49
